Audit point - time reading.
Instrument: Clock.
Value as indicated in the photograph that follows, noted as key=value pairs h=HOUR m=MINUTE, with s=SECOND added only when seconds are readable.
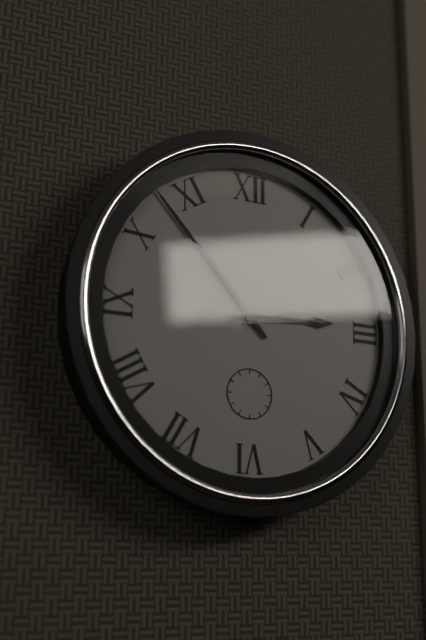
h=2 m=53
